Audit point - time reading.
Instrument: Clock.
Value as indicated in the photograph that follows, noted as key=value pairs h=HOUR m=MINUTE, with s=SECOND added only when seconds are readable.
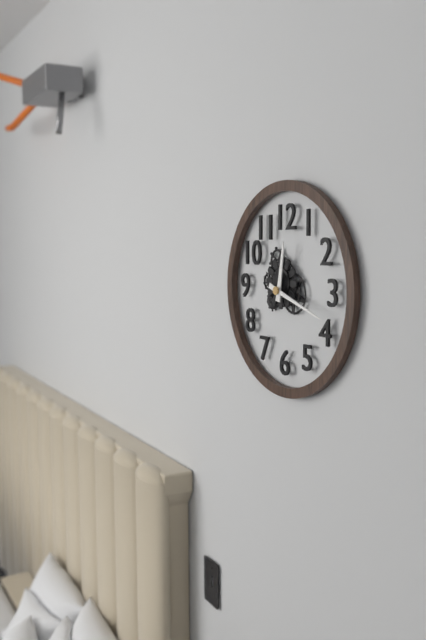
h=12 m=18
